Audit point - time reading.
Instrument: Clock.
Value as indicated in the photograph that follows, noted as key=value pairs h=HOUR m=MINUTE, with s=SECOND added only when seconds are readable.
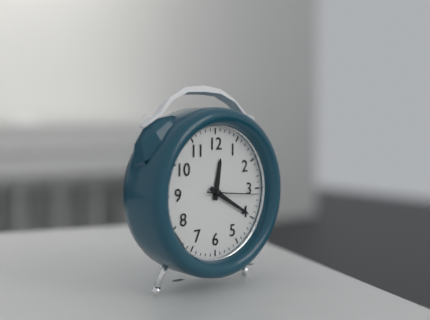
h=12 m=20 s=16
